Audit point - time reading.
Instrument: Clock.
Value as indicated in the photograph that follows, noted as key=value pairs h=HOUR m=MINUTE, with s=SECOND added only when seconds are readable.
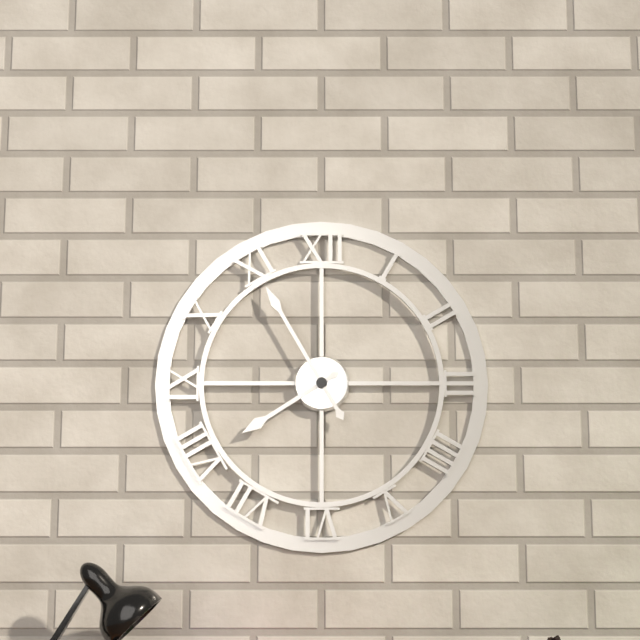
h=7 m=55
